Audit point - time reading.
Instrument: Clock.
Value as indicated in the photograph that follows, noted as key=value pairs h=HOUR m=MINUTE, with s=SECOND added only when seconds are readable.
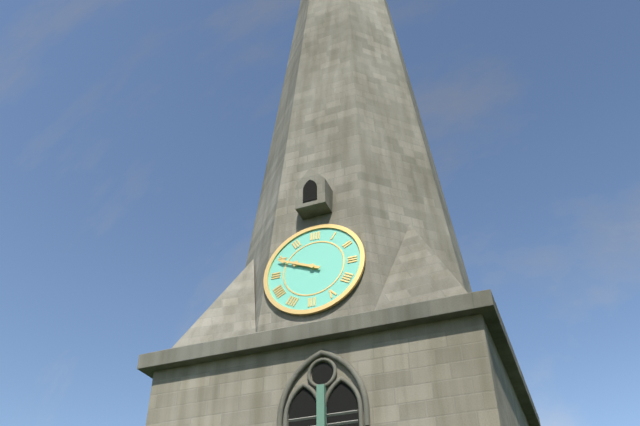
h=9 m=49
